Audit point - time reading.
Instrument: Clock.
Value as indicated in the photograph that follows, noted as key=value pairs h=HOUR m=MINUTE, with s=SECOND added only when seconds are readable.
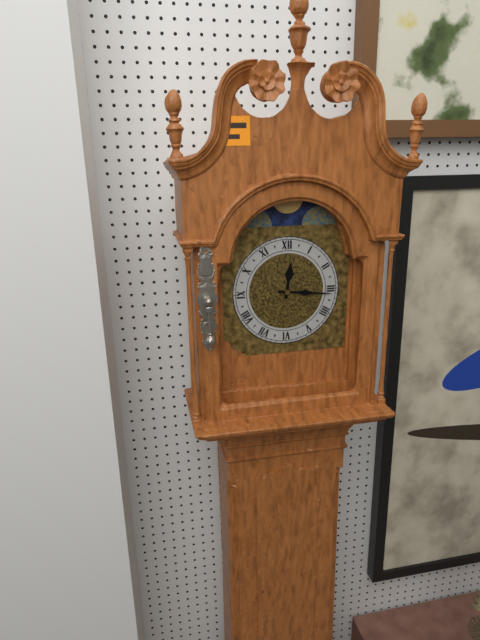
h=12 m=16
